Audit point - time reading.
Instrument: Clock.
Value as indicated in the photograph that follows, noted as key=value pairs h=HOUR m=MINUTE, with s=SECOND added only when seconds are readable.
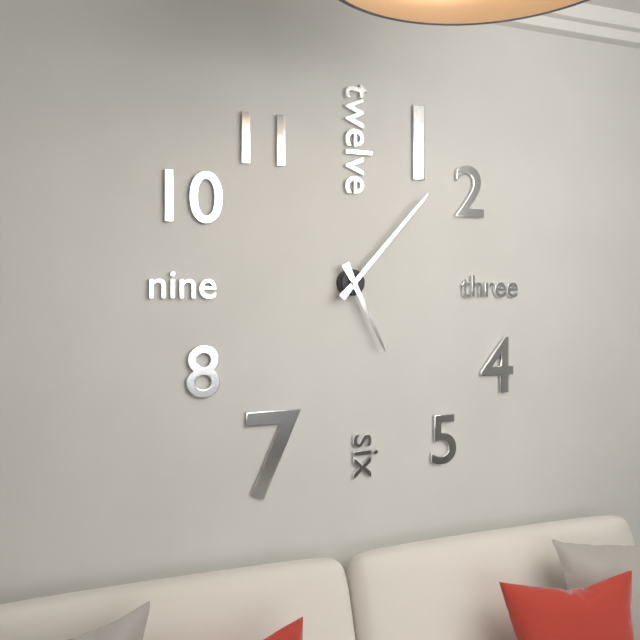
h=5 m=7
